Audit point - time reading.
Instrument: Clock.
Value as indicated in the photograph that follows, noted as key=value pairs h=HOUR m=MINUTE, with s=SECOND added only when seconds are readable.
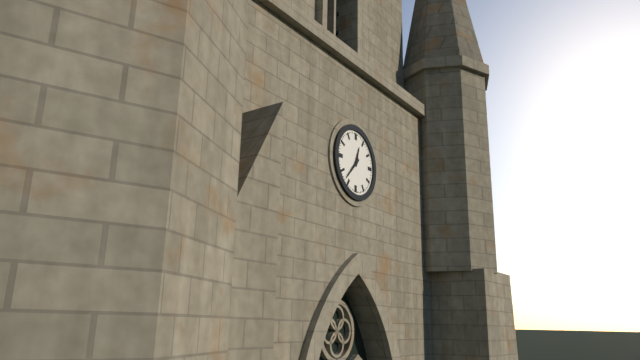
h=12 m=37
